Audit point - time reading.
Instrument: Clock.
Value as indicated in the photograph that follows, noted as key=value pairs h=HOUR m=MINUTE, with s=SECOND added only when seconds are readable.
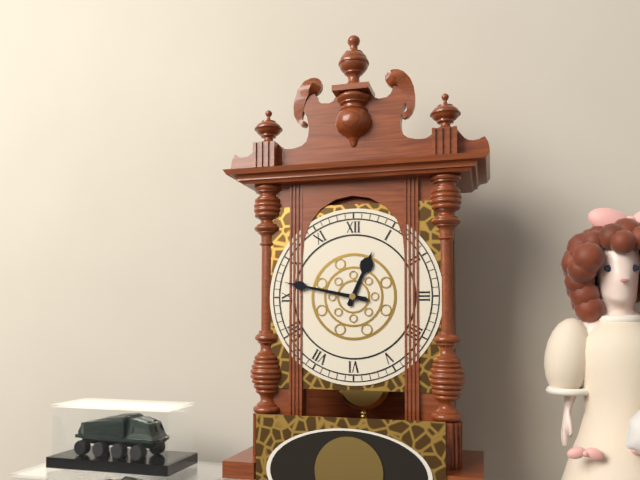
h=12 m=47
